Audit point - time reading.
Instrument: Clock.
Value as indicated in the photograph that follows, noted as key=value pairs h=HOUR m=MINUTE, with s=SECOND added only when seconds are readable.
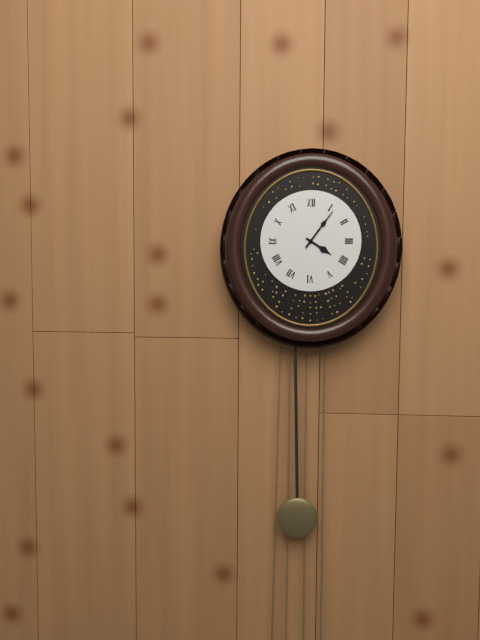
h=4 m=6
